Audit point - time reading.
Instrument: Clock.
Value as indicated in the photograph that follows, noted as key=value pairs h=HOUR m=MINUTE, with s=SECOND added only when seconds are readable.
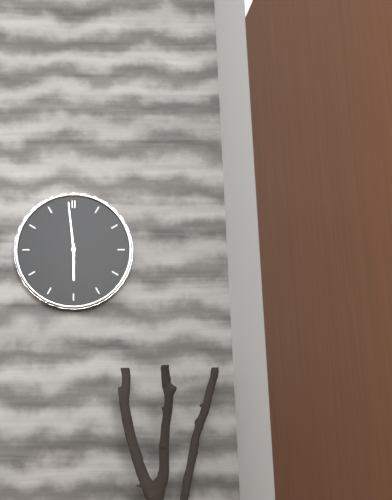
h=5 m=59
